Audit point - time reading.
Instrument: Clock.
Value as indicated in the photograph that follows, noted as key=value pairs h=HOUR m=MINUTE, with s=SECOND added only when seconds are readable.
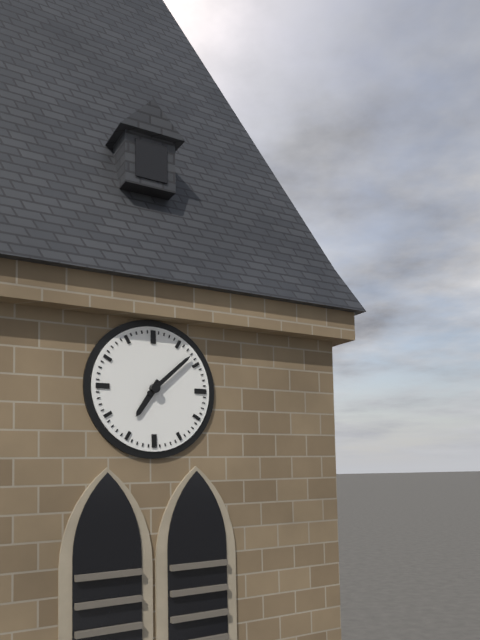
h=7 m=8
